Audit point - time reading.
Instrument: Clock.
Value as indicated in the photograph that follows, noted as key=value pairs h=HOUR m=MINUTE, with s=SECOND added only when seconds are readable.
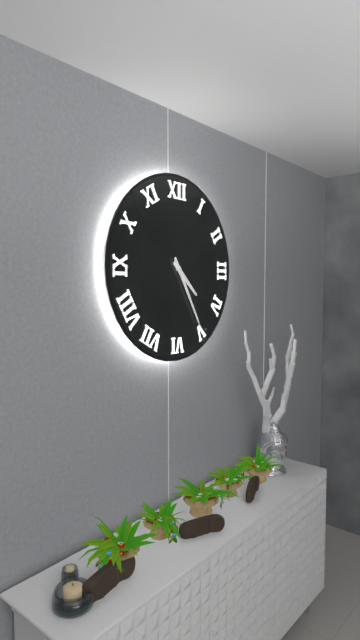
h=4 m=25
